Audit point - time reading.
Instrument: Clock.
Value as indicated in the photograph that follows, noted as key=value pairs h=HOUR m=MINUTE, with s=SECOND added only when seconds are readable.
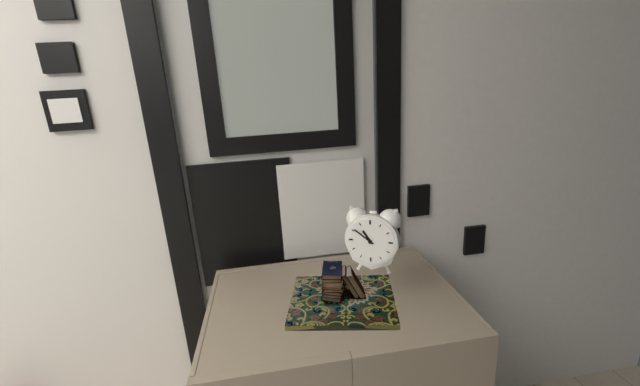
h=10 m=51
